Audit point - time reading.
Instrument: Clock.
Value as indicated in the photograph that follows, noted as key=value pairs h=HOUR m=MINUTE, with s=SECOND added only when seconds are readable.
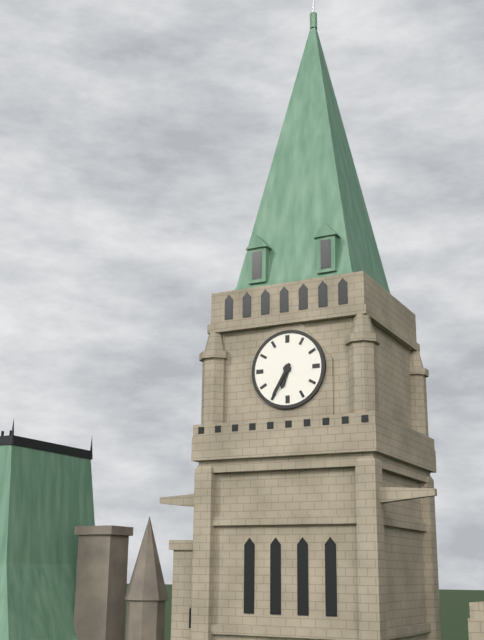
h=6 m=35
